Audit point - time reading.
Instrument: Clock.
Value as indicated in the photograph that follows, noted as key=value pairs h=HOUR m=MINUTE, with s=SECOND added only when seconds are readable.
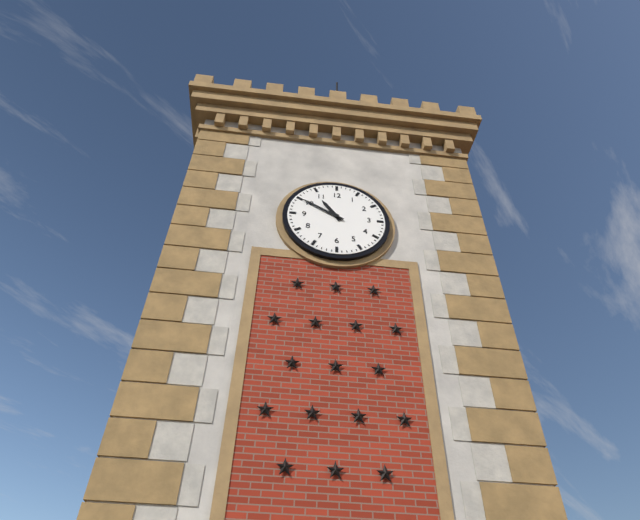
h=10 m=50
